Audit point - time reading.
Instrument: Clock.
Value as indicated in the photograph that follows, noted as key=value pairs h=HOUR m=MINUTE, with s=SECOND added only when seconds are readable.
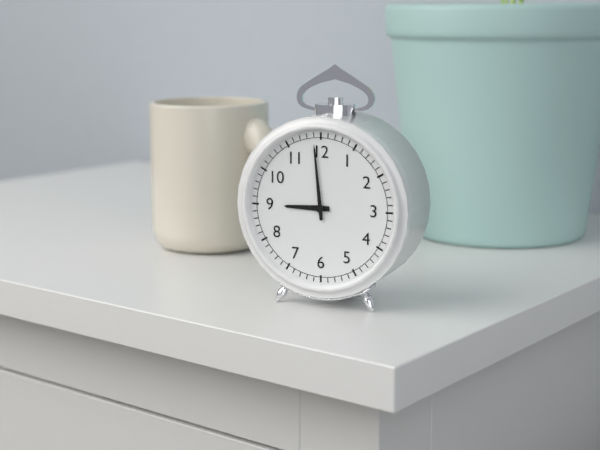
h=8 m=59
